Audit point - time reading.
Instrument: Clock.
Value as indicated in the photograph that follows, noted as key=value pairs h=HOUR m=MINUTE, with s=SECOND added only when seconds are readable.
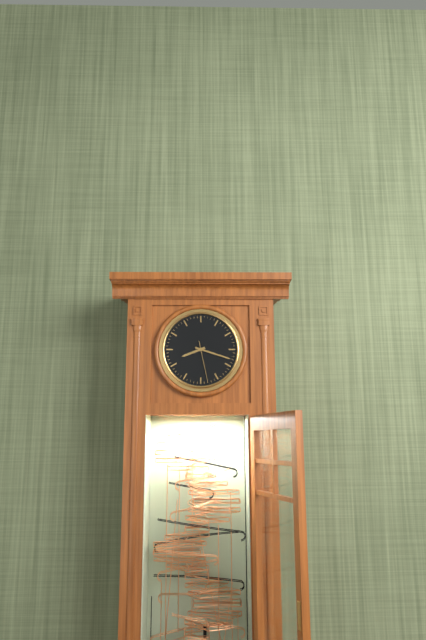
h=8 m=18
